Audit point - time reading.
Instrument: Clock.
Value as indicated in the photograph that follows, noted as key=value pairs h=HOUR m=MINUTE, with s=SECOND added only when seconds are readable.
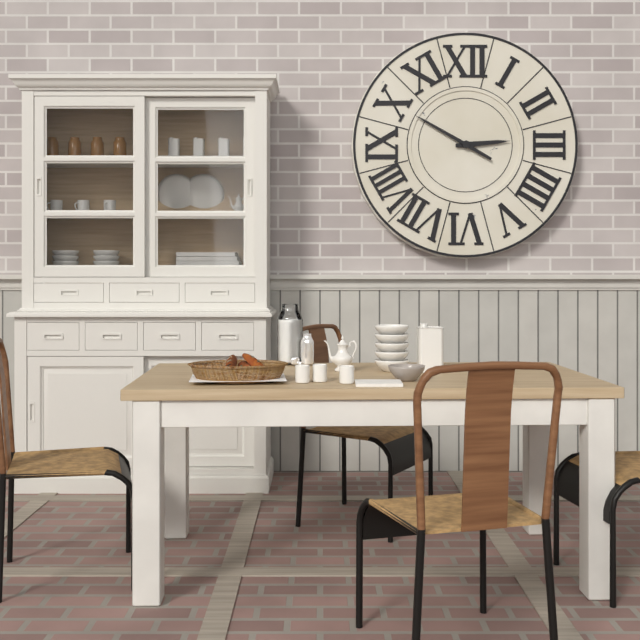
h=2 m=50
